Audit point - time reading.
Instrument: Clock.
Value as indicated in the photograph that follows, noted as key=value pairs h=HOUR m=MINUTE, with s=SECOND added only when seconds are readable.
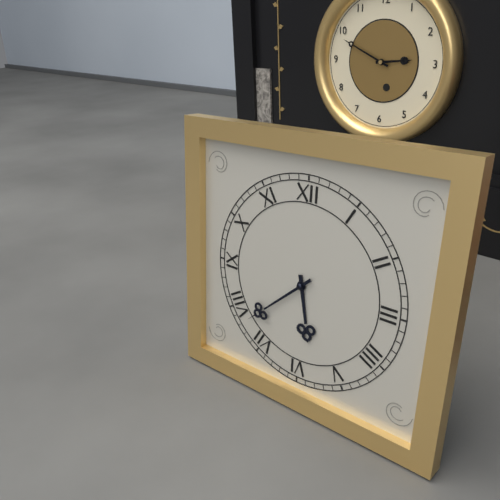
h=5 m=38
